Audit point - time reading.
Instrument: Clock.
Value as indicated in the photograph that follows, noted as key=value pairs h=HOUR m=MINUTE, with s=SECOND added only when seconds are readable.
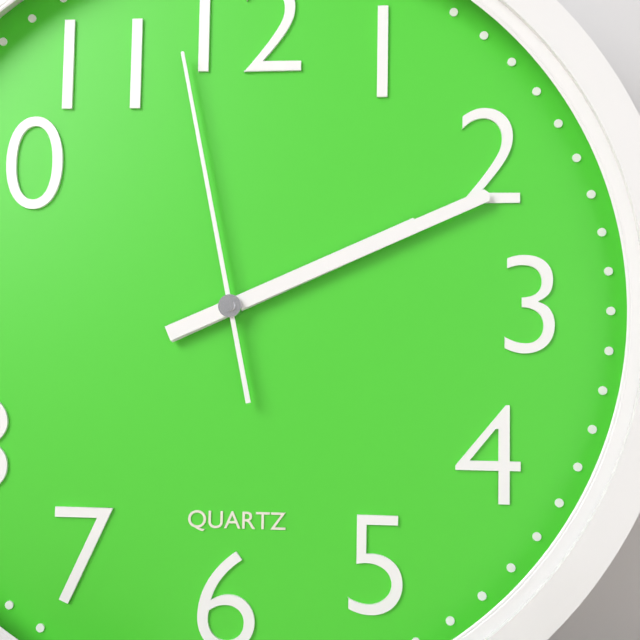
h=2 m=11 s=58
